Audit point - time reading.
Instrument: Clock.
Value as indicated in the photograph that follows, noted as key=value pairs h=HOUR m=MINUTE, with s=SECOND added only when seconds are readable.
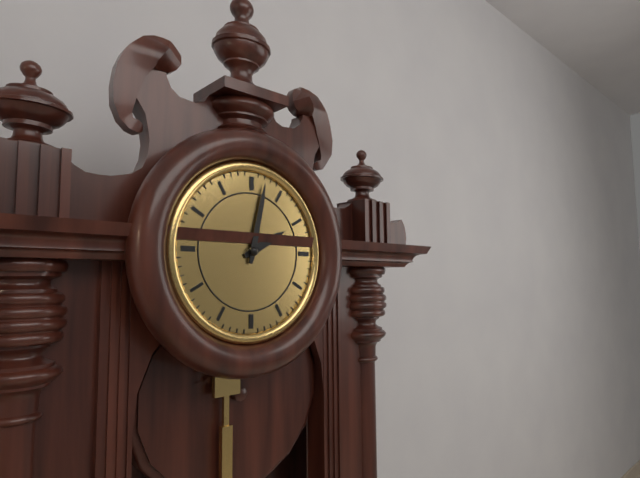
h=2 m=2
